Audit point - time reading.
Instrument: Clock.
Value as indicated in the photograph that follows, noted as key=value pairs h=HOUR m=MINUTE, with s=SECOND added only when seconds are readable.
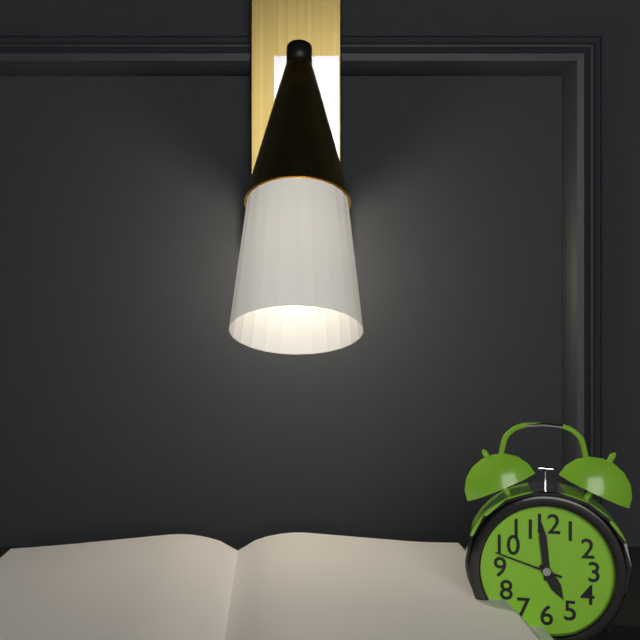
h=4 m=59 s=48
